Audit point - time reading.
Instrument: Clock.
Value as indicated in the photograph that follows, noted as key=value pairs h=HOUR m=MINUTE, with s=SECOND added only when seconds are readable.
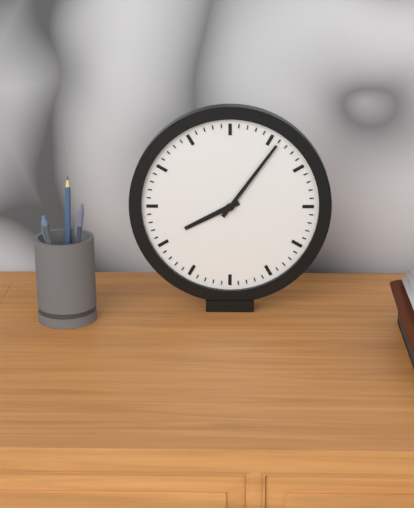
h=8 m=6
